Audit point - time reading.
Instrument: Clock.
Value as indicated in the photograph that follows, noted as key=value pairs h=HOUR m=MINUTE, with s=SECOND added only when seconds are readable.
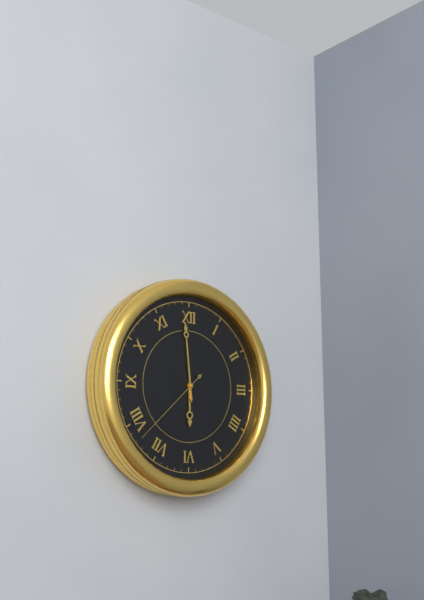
h=5 m=59 s=38
